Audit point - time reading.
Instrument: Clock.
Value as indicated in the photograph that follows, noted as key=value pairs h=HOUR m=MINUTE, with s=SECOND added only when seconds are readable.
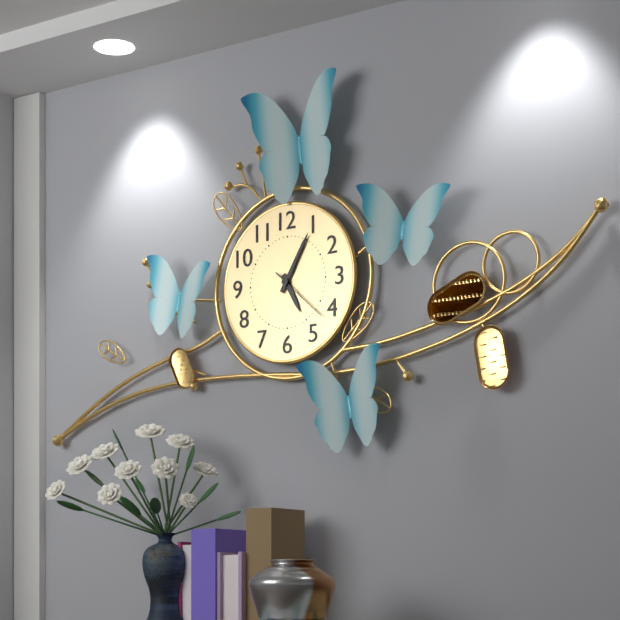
h=5 m=5 s=22
